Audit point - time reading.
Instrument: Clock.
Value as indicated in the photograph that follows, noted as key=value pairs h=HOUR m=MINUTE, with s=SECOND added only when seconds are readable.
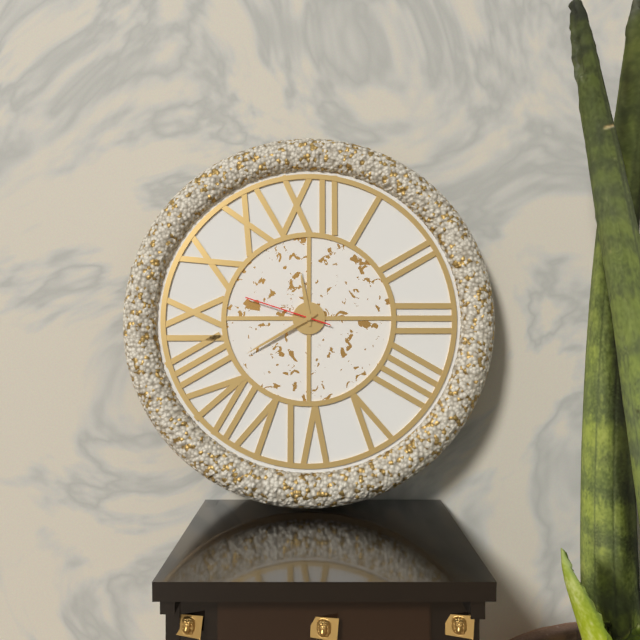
h=11 m=40 s=48
